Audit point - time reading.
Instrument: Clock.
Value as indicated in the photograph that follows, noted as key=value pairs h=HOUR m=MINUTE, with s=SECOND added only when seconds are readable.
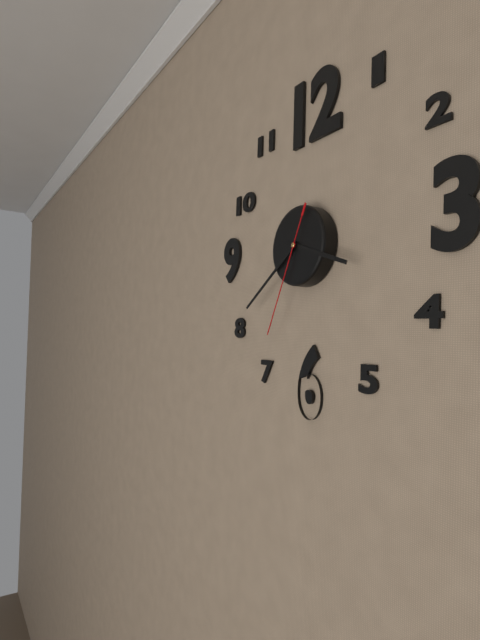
h=3 m=39 s=34
